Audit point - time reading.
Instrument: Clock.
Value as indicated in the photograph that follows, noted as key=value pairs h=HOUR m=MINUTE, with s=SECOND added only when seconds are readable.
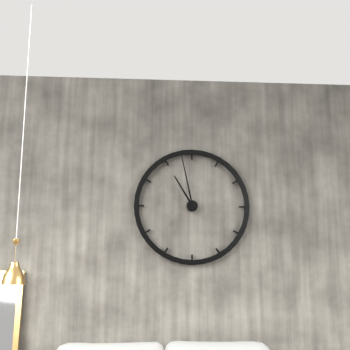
h=10 m=58
